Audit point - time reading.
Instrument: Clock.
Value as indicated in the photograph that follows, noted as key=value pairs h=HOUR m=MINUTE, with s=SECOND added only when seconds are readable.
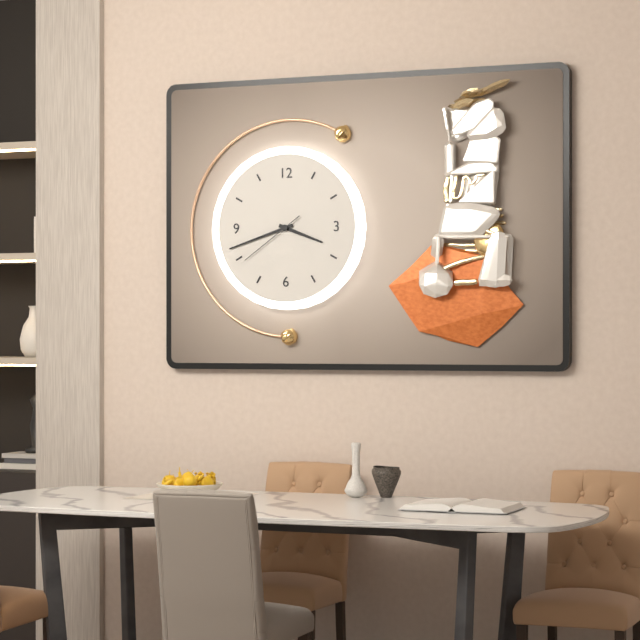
h=3 m=42 s=39
